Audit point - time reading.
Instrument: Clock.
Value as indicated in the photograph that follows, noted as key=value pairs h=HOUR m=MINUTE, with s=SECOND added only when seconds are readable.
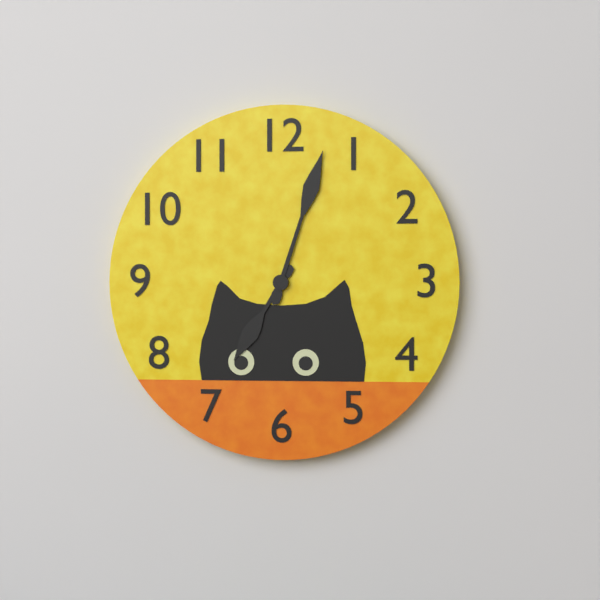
h=7 m=3
